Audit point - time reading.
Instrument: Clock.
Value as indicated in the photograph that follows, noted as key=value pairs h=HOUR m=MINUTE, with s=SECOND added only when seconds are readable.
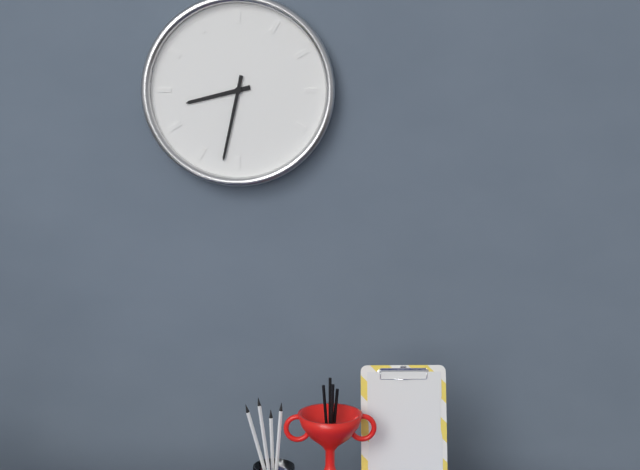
h=8 m=32
